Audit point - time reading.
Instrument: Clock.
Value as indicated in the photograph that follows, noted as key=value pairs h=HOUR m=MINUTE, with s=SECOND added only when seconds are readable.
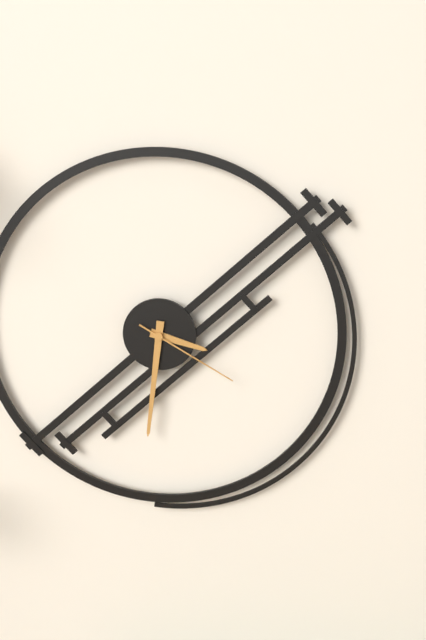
h=3 m=31 s=20
